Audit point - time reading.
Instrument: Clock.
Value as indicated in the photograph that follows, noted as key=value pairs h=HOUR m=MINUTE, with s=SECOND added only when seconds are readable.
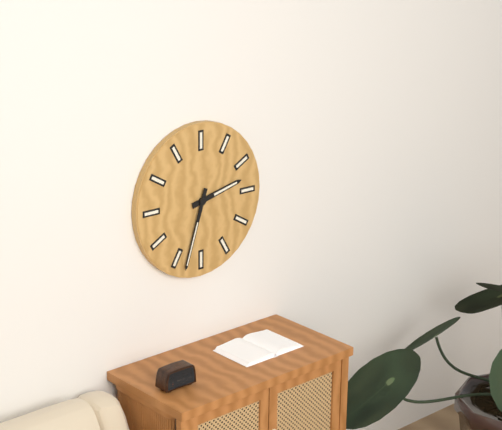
h=2 m=33
